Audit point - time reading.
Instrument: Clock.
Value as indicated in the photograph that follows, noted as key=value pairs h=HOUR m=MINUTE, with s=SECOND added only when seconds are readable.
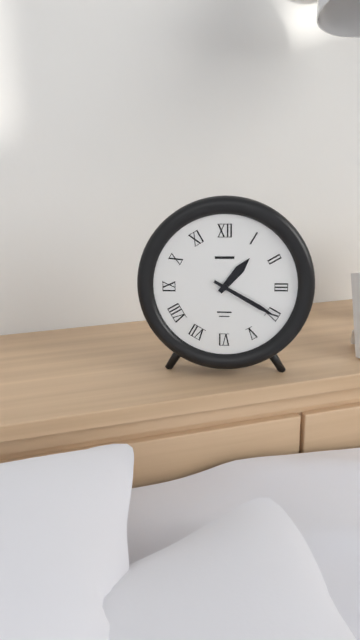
h=1 m=20
